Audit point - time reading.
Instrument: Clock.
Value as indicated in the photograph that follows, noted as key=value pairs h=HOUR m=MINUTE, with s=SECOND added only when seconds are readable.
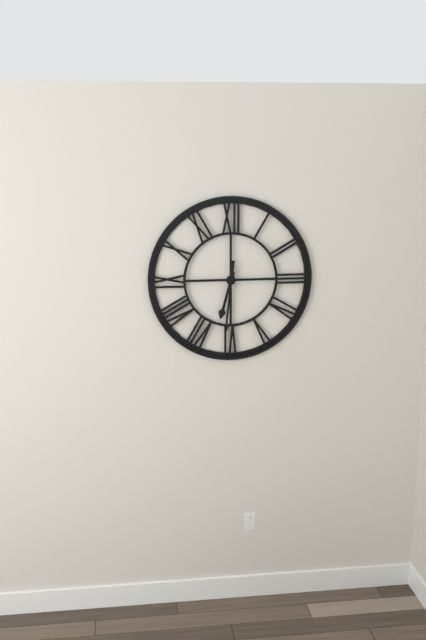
h=6 m=31
